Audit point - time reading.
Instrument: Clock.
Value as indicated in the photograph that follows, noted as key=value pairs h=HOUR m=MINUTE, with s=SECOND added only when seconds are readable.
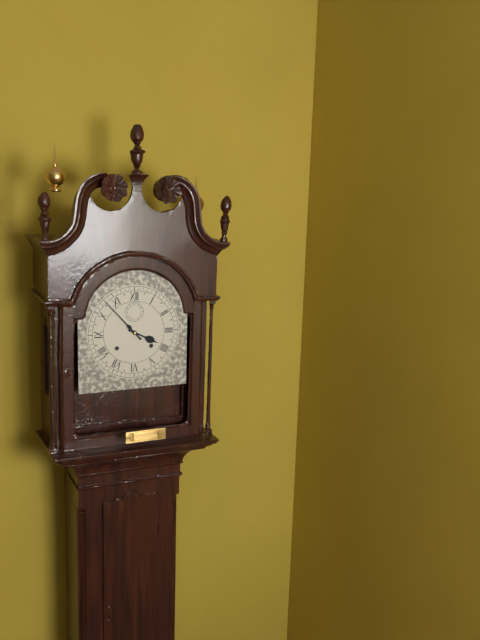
h=3 m=53
